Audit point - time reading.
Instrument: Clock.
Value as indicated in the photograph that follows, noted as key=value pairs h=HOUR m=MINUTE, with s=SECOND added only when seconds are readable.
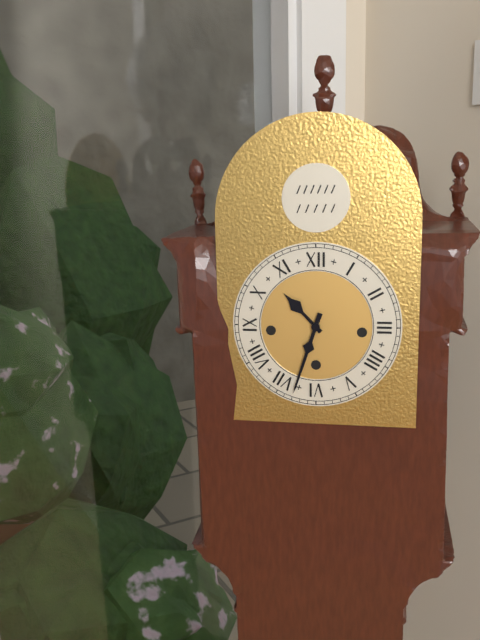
h=10 m=33
